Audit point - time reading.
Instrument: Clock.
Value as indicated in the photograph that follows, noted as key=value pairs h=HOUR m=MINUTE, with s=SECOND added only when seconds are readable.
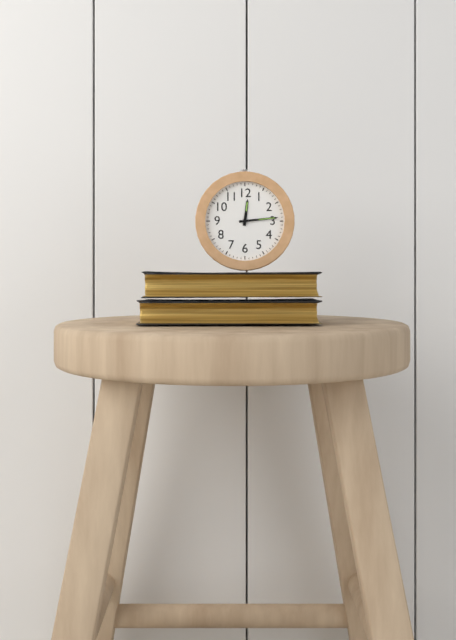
h=12 m=14
